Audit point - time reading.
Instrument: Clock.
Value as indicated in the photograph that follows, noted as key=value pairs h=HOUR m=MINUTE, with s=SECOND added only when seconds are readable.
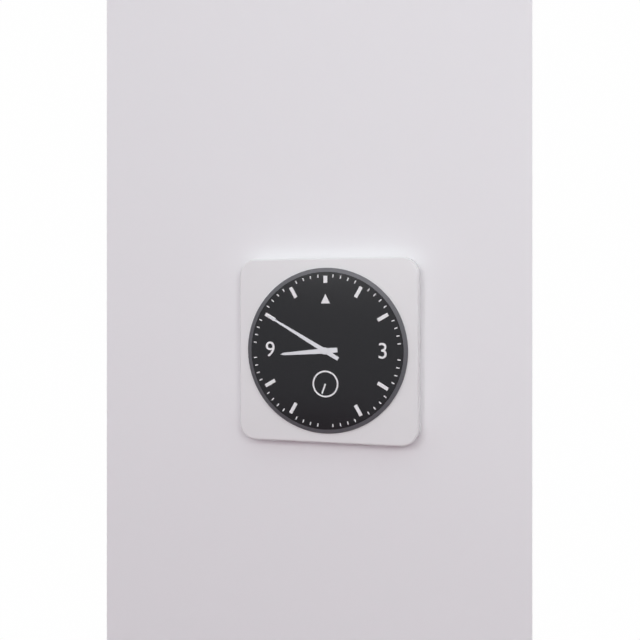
h=8 m=50
